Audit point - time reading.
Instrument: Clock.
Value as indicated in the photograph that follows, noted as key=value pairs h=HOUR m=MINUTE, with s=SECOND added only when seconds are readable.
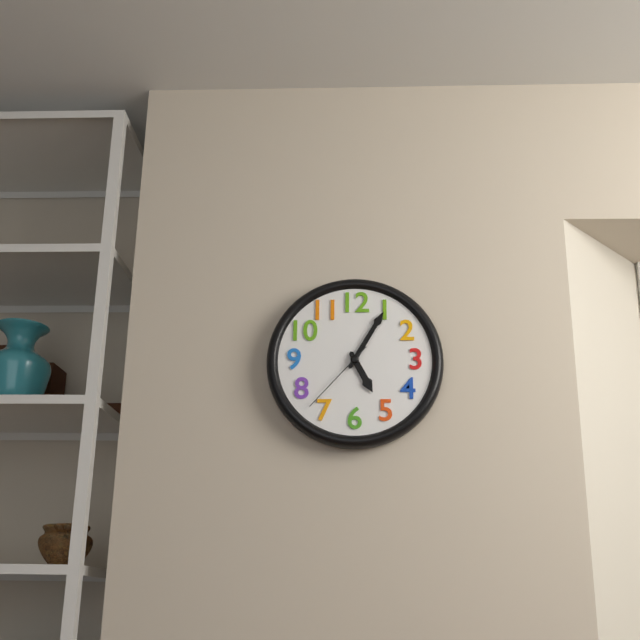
h=5 m=5 s=37
